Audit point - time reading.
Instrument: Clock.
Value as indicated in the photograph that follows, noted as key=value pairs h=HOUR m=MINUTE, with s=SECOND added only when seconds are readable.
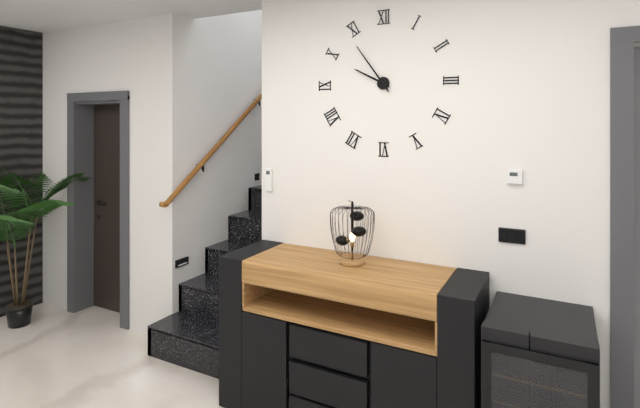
h=9 m=54
